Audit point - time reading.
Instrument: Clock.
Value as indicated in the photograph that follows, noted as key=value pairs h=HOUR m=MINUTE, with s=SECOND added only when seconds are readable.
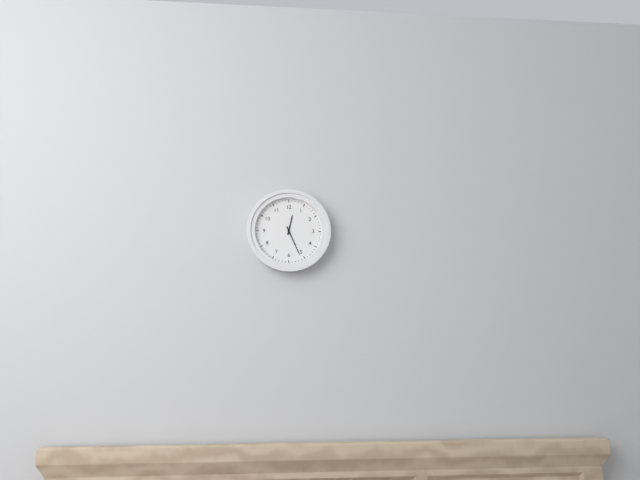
h=12 m=26
